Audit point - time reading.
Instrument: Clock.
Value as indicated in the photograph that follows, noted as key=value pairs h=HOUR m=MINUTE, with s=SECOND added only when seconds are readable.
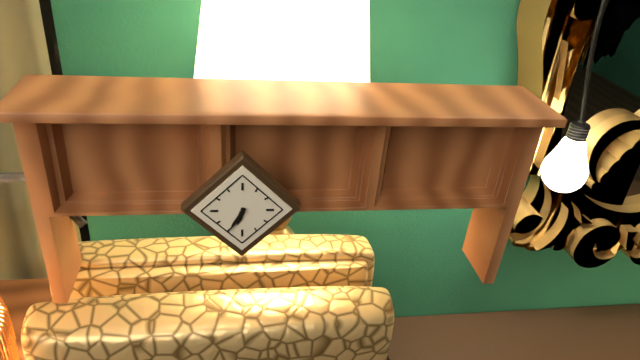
h=6 m=35
